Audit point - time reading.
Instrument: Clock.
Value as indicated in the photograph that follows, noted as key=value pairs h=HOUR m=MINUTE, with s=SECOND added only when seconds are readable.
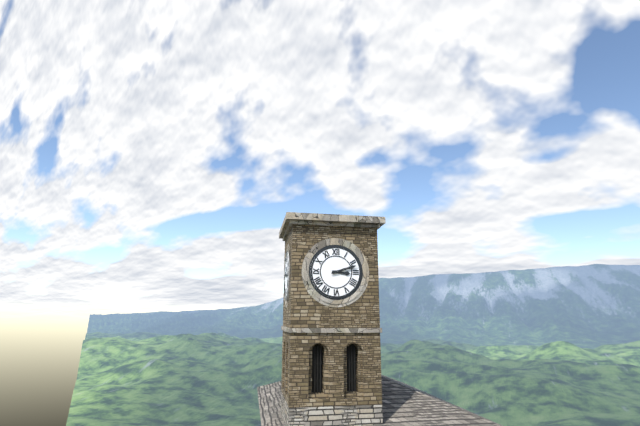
h=3 m=12
